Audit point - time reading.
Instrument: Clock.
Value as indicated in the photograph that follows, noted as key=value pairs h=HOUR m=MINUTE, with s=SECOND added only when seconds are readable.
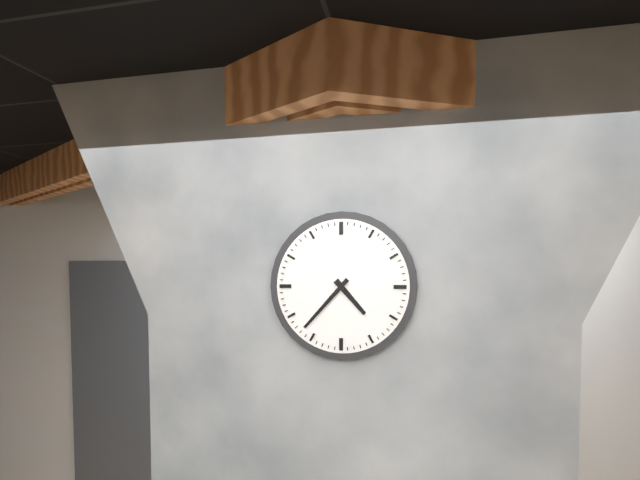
h=4 m=37
